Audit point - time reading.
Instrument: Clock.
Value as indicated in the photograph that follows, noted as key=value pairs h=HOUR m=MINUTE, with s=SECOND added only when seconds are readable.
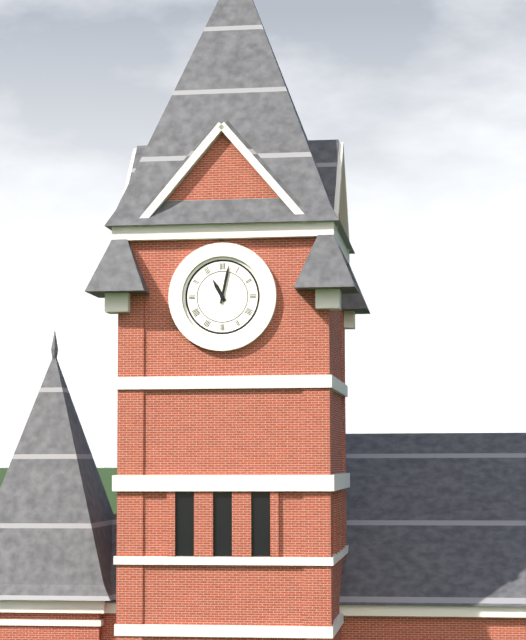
h=11 m=2
